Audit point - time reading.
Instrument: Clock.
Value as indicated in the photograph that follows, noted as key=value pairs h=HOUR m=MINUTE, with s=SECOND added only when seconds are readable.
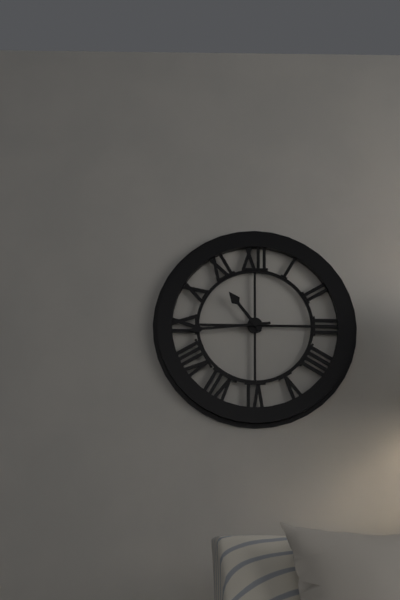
h=10 m=44
